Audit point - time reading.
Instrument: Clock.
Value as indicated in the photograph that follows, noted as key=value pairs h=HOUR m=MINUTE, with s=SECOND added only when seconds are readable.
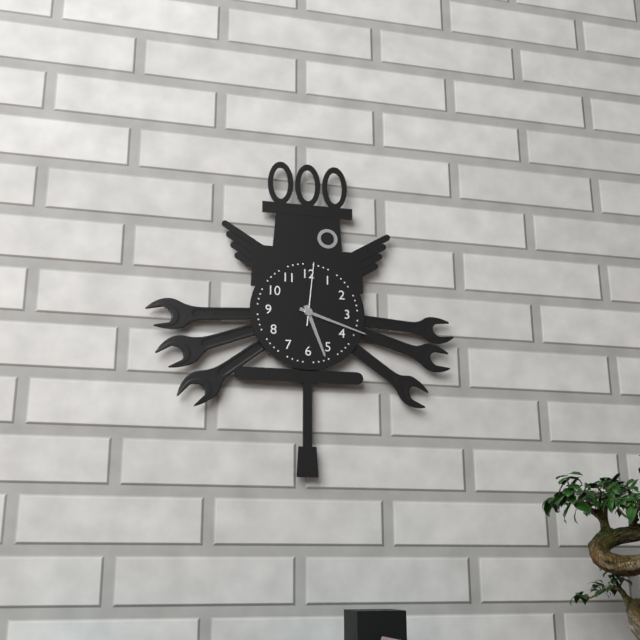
h=5 m=18 s=1
